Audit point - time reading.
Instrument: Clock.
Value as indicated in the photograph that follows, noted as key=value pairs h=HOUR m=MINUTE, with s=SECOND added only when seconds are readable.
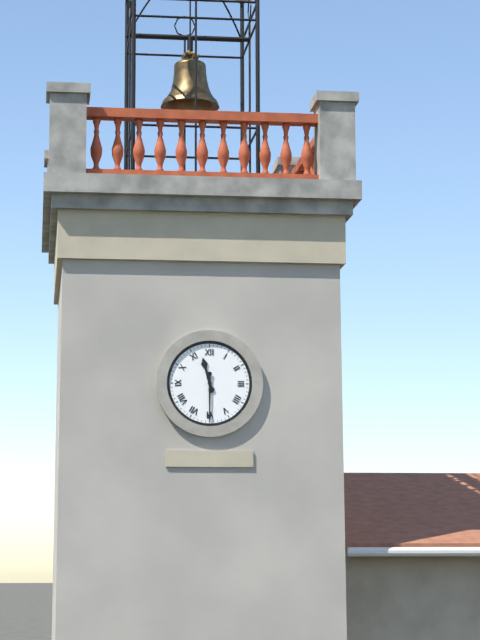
h=11 m=30
